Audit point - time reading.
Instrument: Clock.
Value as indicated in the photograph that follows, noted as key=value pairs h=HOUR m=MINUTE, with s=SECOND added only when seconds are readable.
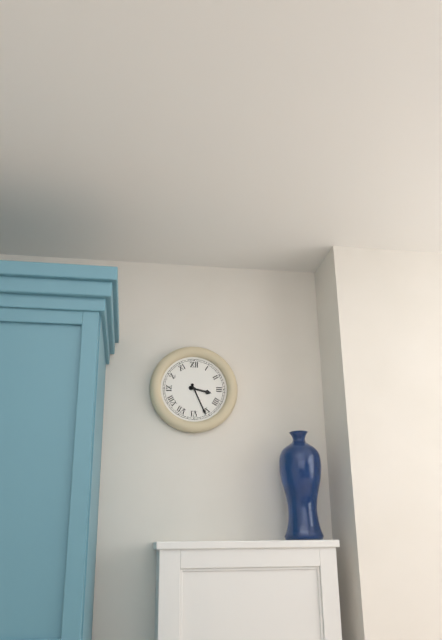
h=3 m=26
